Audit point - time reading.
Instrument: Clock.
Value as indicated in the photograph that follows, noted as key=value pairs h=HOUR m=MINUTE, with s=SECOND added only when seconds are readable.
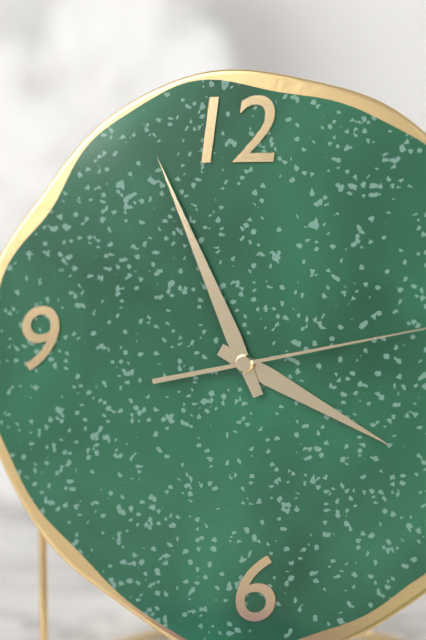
h=3 m=56
